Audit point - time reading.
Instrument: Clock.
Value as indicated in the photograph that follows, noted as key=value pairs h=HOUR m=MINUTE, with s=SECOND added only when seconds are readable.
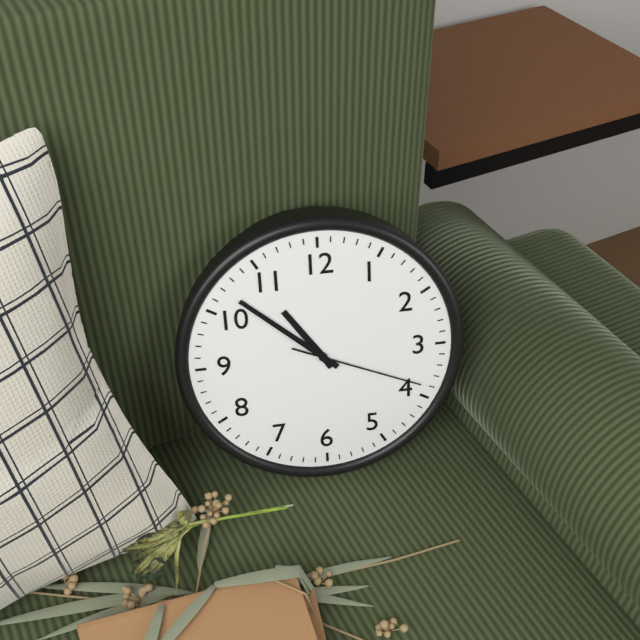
h=10 m=52 s=19
